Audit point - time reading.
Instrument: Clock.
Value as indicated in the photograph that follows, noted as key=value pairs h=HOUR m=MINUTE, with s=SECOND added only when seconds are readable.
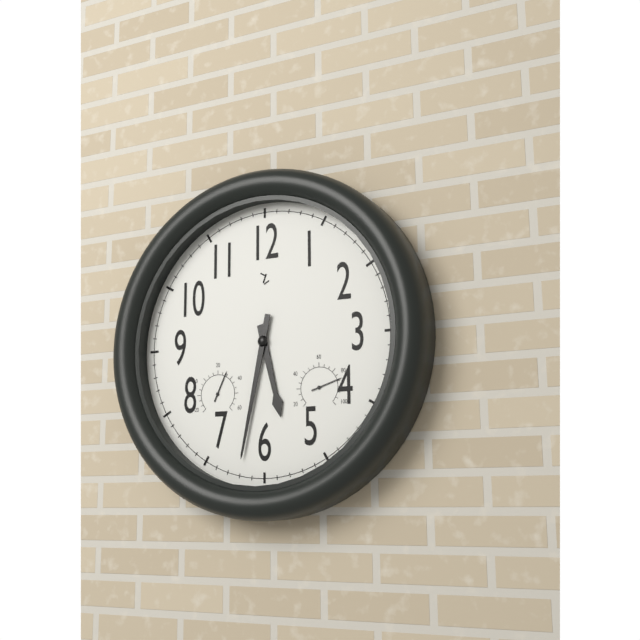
h=5 m=32
